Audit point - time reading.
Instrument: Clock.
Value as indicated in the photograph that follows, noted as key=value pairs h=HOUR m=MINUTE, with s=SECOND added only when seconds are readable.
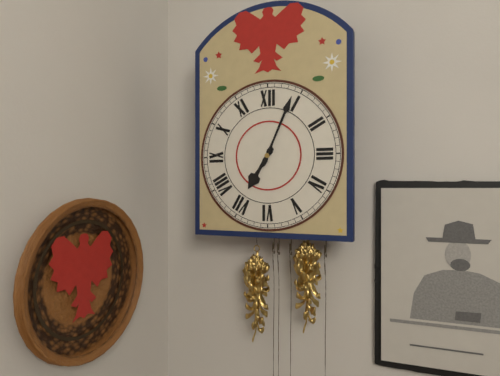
h=7 m=4
